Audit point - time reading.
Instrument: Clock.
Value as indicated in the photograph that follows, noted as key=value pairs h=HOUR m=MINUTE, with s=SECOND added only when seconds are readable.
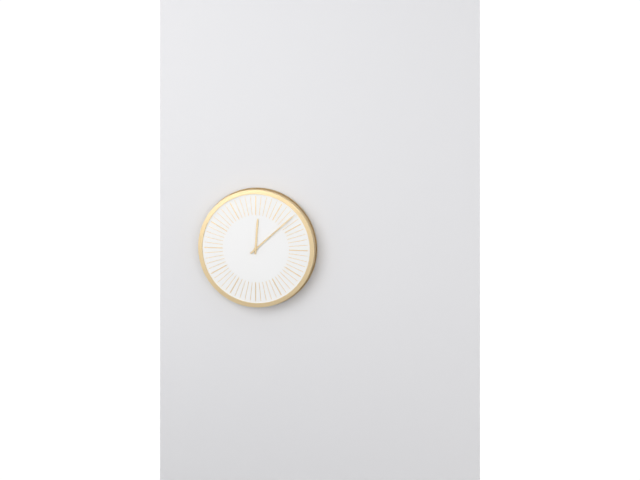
h=12 m=8
